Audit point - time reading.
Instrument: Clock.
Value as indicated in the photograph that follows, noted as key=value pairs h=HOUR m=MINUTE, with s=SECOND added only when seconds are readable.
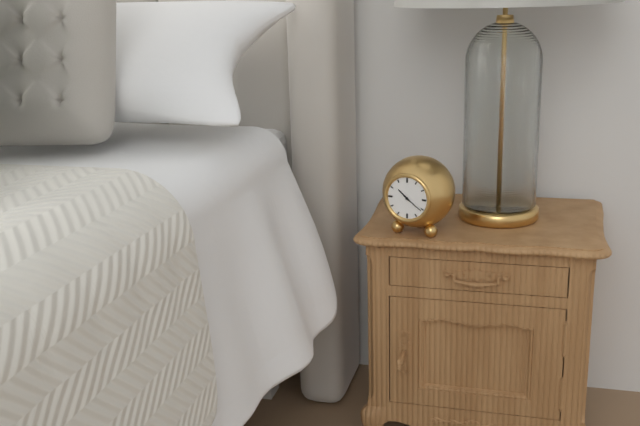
h=10 m=21
